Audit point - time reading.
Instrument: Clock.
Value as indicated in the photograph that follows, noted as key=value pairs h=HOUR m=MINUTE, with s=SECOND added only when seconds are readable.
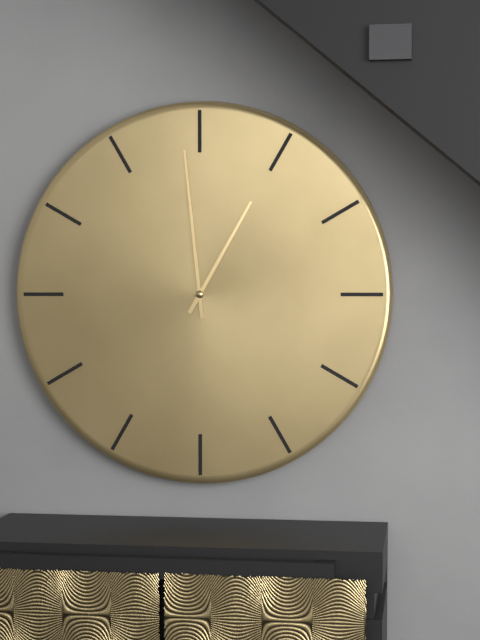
h=12 m=59
